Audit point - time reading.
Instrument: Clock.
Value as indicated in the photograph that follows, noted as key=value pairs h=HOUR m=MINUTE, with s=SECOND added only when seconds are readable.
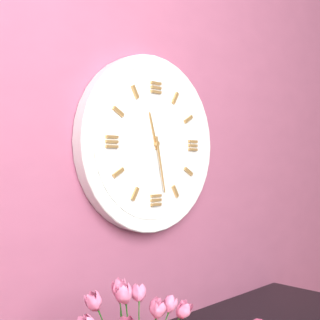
h=11 m=28
